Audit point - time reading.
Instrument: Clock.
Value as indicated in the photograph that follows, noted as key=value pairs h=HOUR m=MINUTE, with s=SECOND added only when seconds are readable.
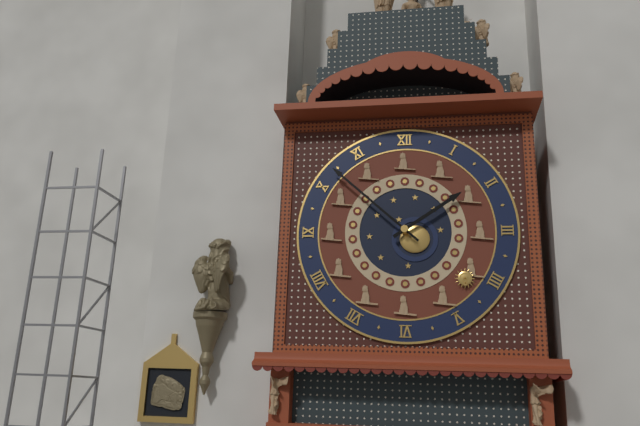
h=1 m=52
